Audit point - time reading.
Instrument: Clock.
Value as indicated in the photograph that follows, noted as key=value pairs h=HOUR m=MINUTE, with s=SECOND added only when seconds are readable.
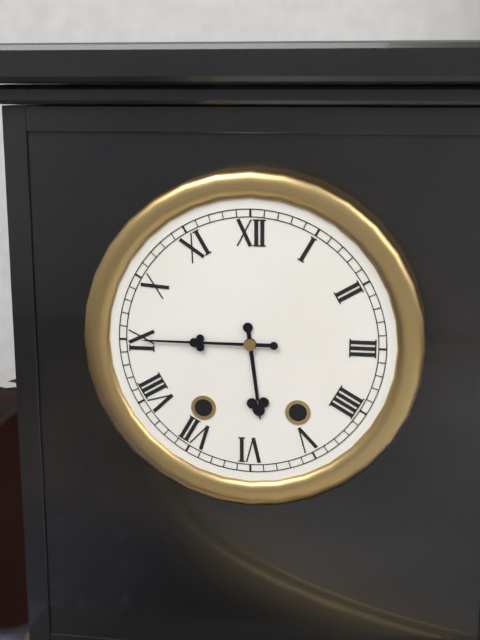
h=5 m=45
